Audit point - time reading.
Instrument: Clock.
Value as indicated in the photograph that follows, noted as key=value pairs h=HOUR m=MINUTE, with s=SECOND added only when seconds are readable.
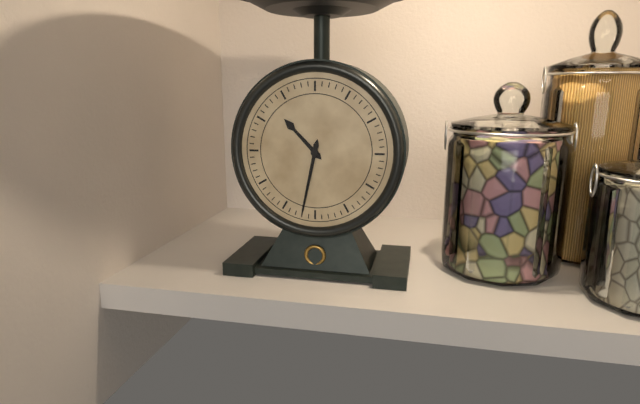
h=10 m=32
